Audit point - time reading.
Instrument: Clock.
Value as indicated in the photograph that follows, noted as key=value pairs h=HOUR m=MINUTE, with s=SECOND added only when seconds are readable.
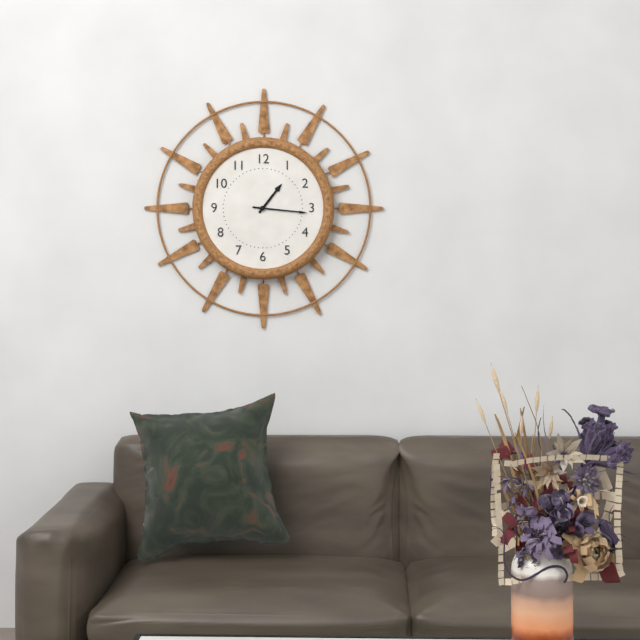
h=1 m=16
